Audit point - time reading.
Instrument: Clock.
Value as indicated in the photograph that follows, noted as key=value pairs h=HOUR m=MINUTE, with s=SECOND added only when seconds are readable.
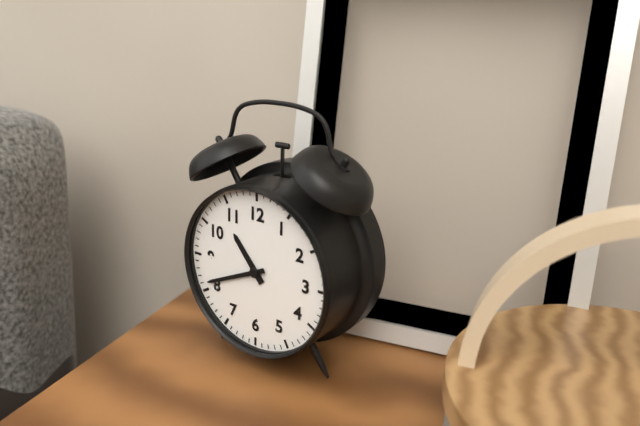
h=10 m=41
